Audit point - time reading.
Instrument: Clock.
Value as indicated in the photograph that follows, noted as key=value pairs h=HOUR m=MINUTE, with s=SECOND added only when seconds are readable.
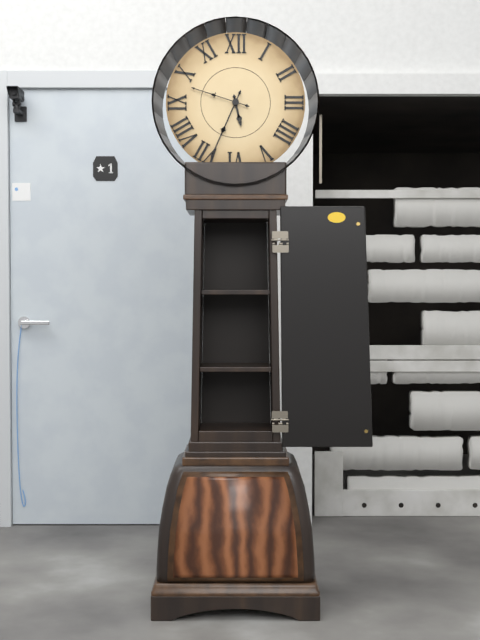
h=5 m=34 s=48
